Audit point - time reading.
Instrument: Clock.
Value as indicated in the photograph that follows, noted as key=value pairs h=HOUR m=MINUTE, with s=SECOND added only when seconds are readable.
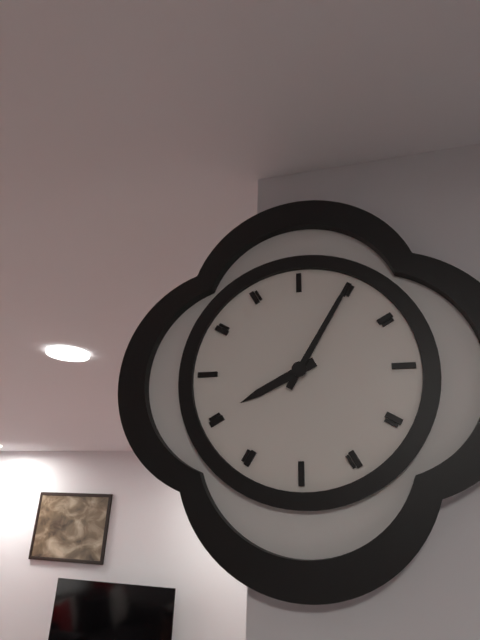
h=8 m=5
